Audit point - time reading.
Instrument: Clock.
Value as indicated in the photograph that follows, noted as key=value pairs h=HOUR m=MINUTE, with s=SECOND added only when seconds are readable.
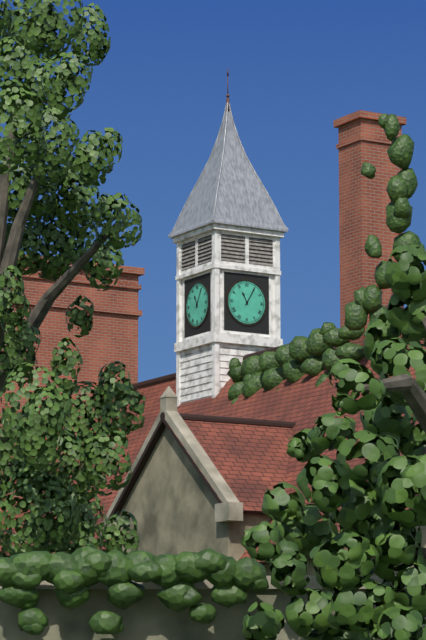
h=11 m=5
